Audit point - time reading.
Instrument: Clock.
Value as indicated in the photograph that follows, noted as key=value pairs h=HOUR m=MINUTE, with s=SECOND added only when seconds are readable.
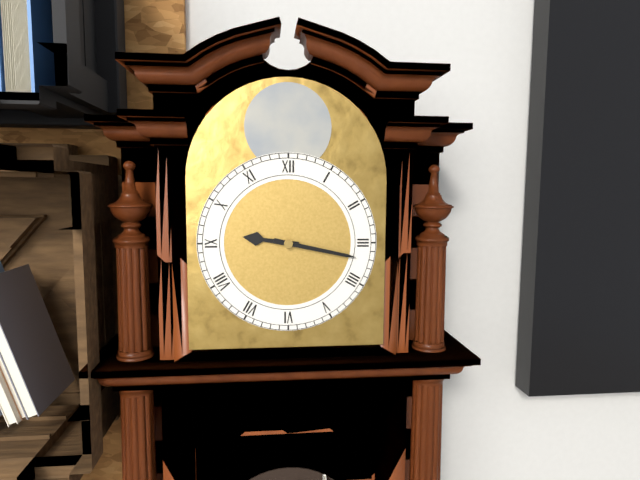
h=9 m=17
